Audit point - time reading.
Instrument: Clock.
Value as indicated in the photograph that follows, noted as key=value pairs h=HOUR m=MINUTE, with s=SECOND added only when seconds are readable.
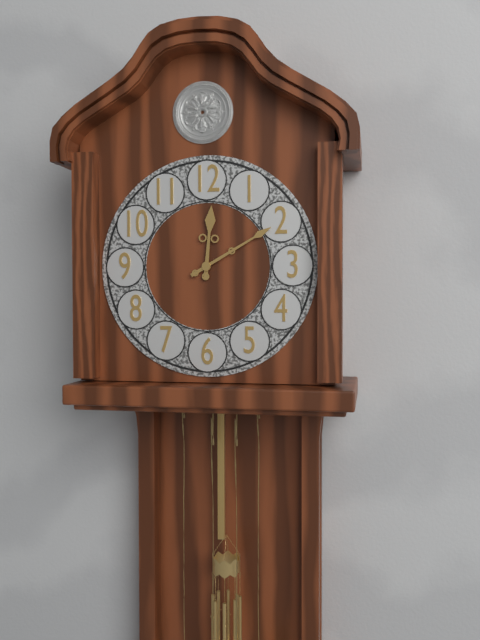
h=12 m=10
